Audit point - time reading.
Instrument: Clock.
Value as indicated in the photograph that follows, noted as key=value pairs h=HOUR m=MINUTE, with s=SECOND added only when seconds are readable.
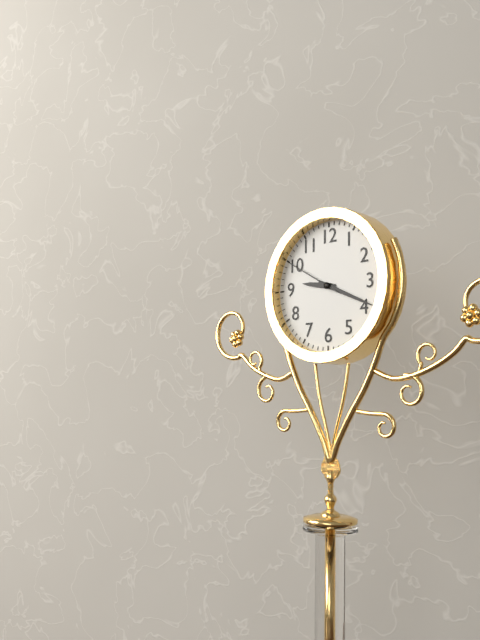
h=9 m=19 s=50
